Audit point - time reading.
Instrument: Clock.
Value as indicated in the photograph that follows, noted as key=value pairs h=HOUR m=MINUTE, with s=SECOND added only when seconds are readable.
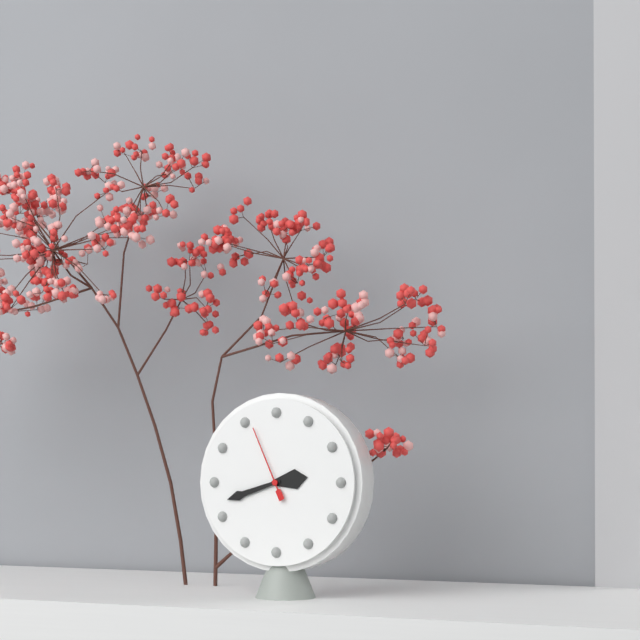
h=2 m=42 s=56
